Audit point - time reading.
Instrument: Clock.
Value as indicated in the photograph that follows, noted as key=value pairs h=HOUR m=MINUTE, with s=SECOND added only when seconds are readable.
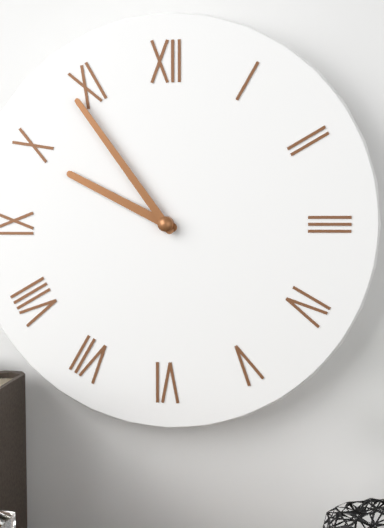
h=9 m=54
